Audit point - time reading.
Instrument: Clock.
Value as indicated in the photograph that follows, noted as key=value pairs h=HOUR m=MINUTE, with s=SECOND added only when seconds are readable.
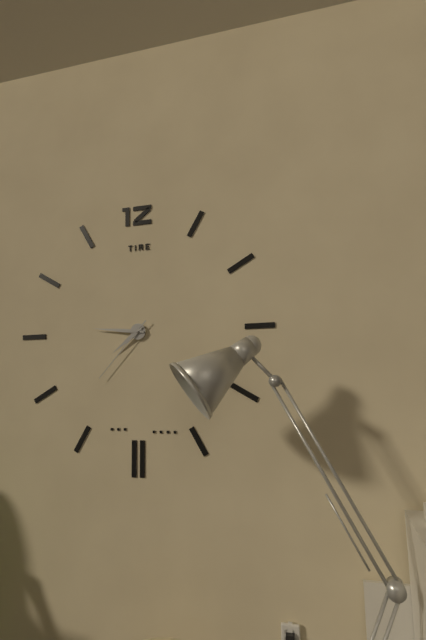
h=7 m=46 s=37
